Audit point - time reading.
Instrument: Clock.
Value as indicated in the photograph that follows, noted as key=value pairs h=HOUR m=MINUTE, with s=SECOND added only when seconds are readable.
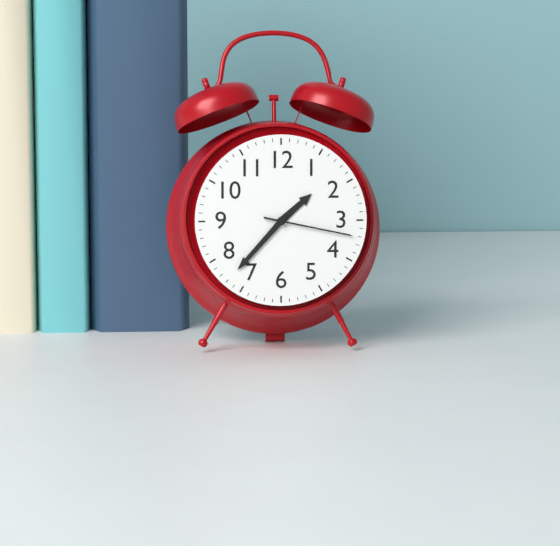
h=1 m=37 s=17
